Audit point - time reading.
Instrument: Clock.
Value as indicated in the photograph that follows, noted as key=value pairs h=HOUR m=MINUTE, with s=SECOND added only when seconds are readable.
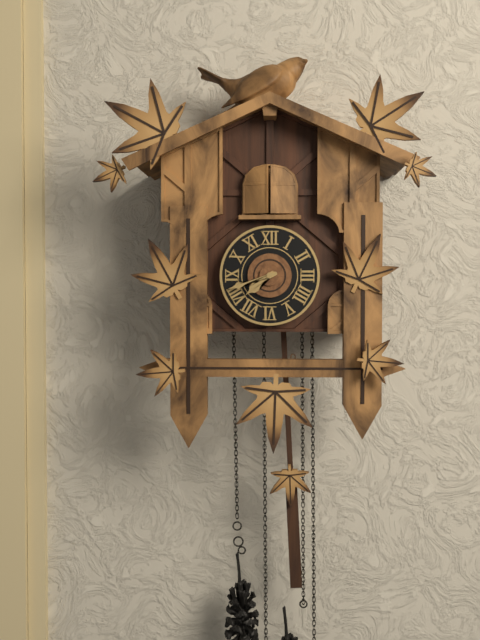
h=7 m=42
